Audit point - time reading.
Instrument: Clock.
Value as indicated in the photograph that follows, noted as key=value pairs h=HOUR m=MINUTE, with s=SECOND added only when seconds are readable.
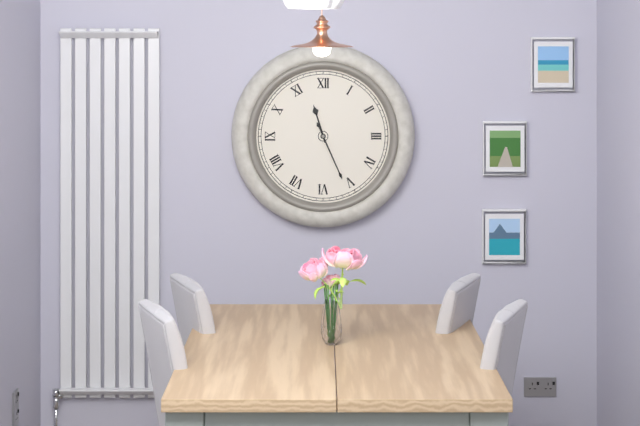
h=11 m=26
